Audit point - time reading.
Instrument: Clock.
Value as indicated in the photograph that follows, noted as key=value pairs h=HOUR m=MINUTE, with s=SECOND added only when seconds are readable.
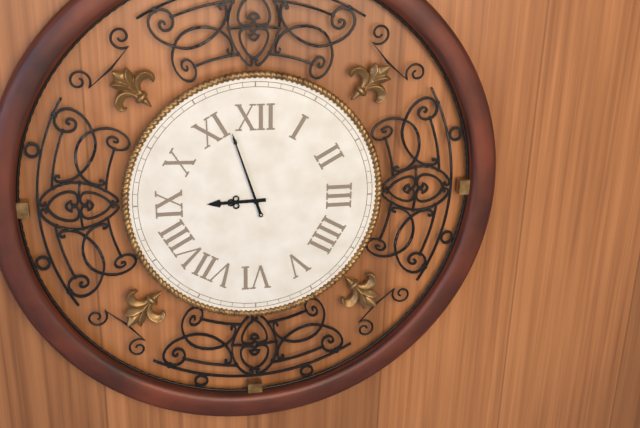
h=8 m=57
